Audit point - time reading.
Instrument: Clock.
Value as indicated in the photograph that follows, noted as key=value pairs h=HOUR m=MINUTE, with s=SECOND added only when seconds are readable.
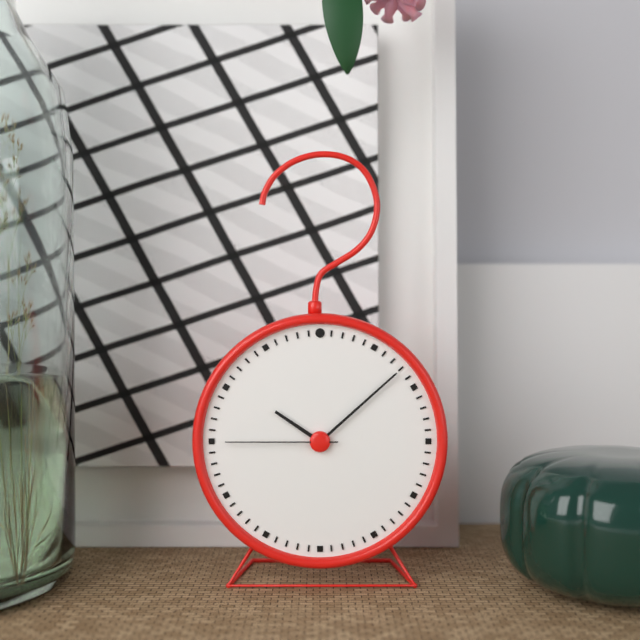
h=10 m=8 s=45
